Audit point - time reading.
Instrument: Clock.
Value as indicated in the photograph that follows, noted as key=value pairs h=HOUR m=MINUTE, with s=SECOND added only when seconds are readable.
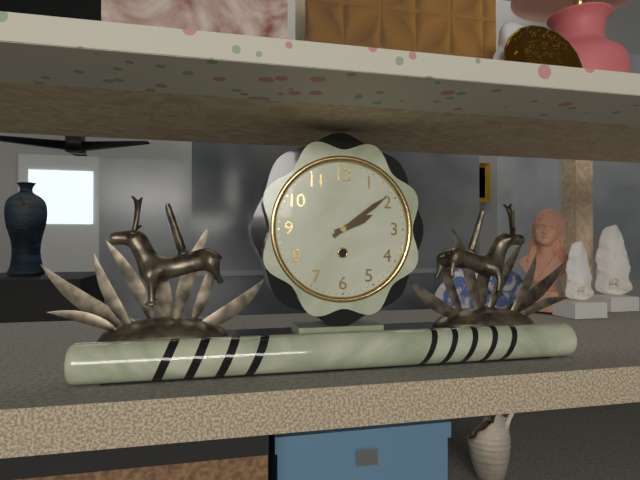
h=2 m=9
